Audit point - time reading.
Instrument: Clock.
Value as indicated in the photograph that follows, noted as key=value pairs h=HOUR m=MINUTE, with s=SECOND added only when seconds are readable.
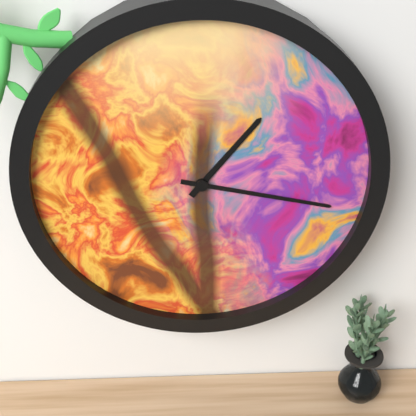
h=1 m=17
